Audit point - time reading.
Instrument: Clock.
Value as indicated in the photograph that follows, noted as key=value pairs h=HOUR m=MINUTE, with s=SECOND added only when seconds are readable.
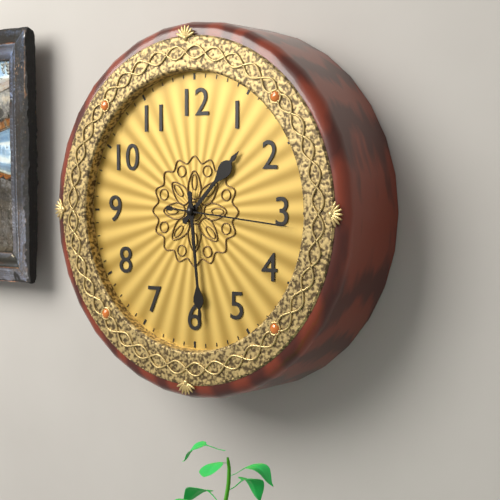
h=1 m=29 s=16
